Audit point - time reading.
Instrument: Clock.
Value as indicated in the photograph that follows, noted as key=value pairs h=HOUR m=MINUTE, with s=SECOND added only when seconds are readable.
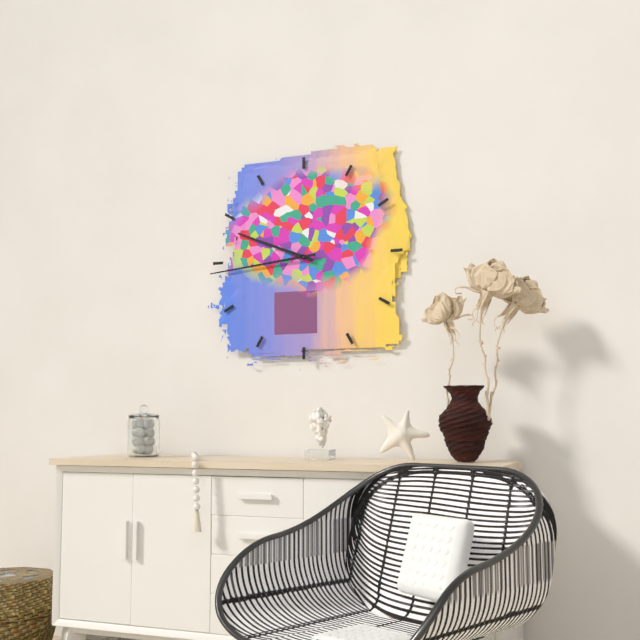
h=9 m=44
